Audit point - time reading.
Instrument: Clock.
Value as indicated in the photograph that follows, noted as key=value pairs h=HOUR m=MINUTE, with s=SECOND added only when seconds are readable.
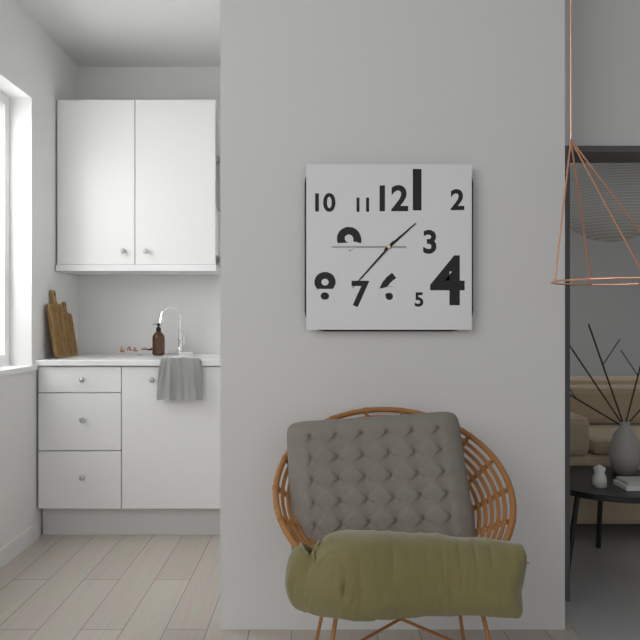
h=1 m=37 s=45
